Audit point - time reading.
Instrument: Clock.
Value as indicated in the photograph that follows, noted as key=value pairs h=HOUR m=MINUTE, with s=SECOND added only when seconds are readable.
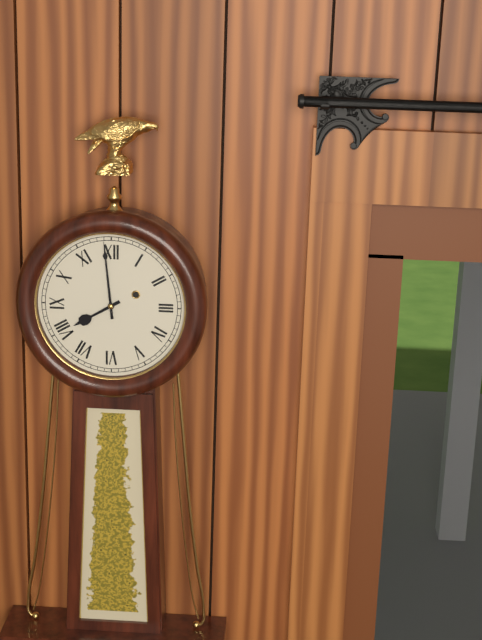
h=7 m=59
